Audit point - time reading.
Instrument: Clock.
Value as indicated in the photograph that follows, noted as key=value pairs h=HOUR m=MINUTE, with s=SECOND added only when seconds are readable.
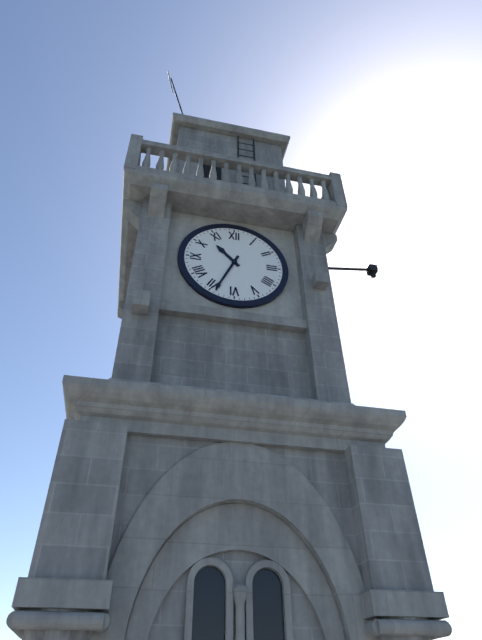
h=10 m=34
